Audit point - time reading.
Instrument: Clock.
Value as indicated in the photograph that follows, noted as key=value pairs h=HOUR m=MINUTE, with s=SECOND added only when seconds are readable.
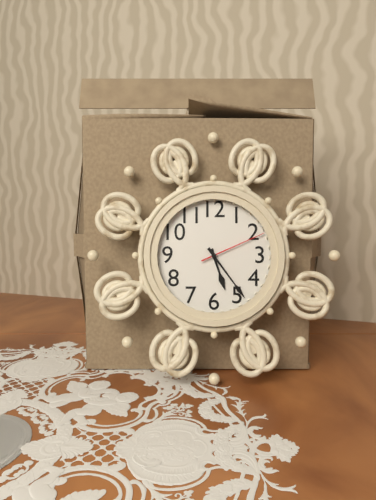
h=5 m=24 s=11
